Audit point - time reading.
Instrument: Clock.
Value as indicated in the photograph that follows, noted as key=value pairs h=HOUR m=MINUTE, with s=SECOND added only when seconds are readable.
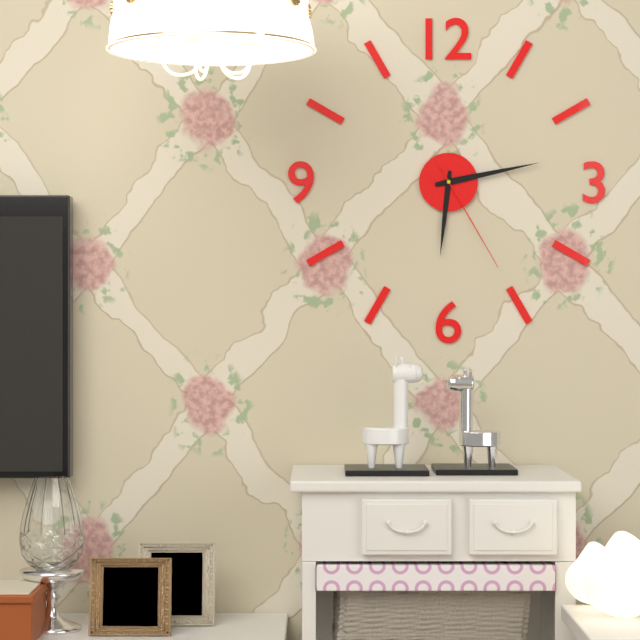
h=6 m=13 s=25
